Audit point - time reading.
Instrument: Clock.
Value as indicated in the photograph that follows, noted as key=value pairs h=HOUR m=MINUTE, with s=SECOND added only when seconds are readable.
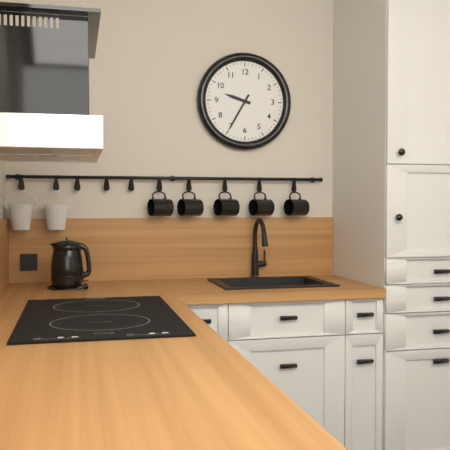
h=9 m=35
